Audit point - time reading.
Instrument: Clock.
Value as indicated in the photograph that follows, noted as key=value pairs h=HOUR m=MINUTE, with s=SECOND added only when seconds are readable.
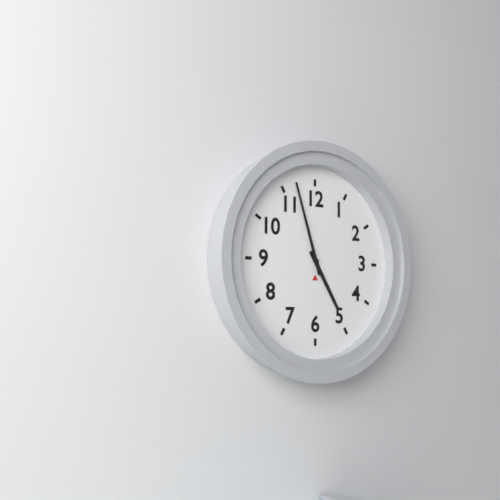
h=4 m=57
